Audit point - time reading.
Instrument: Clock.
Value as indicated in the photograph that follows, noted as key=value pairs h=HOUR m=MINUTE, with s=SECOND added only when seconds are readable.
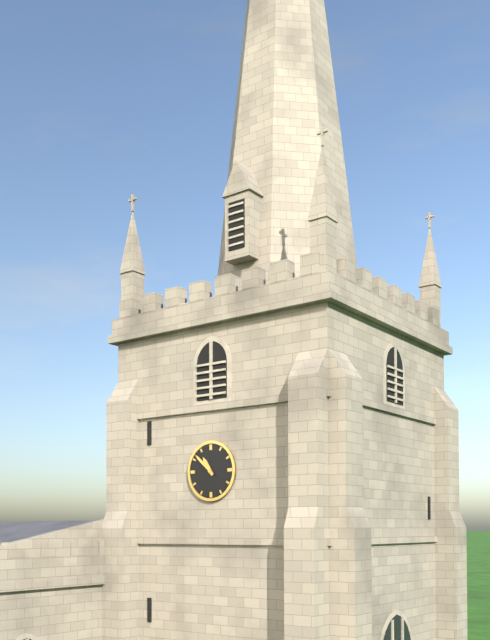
h=10 m=52
